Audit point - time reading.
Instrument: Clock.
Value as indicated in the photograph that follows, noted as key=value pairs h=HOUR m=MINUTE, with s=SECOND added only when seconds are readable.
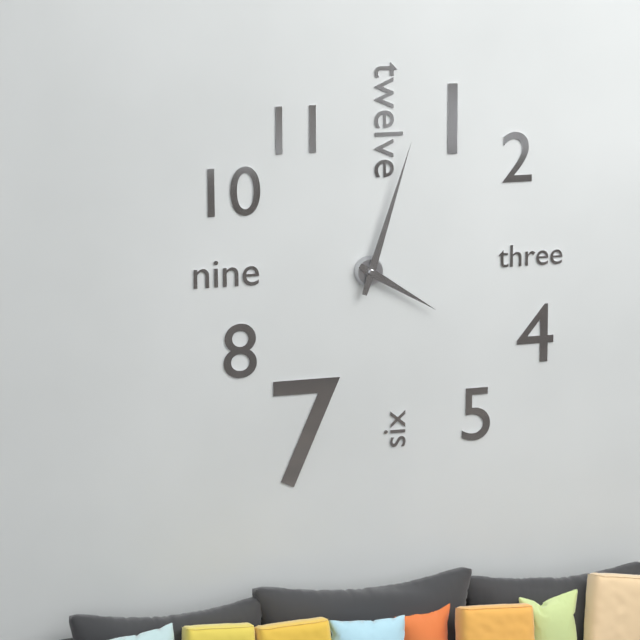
h=4 m=3
